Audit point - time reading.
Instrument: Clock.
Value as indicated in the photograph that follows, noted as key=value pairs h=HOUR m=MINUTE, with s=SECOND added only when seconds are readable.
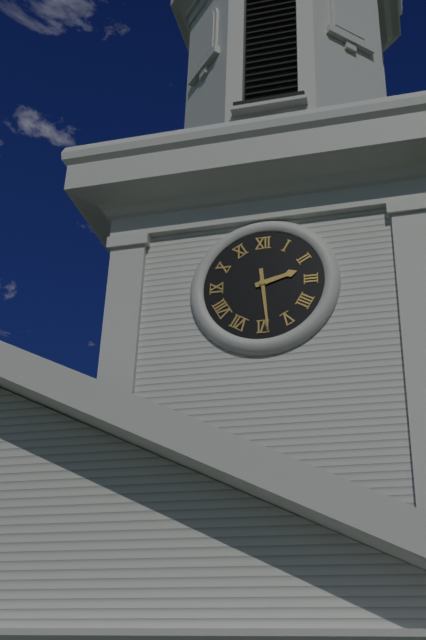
h=2 m=29
